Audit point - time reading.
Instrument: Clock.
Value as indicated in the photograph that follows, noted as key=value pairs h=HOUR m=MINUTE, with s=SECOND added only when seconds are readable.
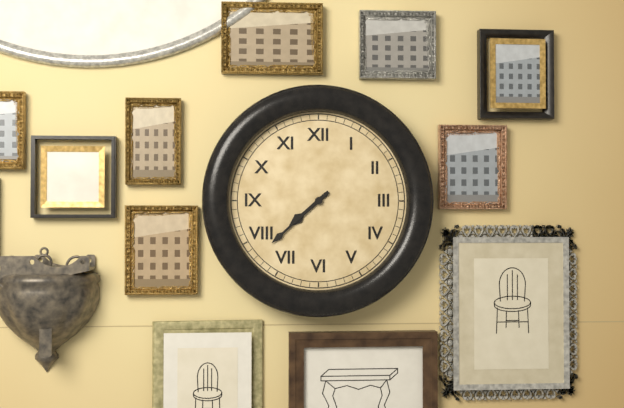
h=7 m=38
